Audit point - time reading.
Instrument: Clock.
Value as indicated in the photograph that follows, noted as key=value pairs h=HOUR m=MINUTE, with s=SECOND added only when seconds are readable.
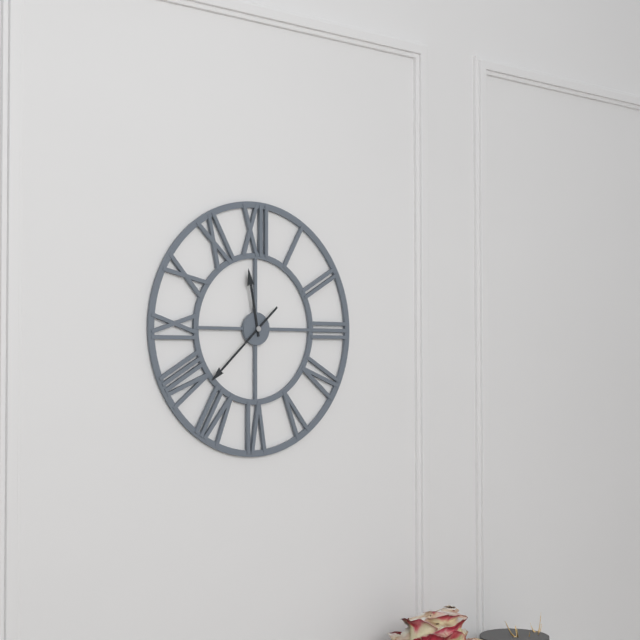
h=11 m=38
